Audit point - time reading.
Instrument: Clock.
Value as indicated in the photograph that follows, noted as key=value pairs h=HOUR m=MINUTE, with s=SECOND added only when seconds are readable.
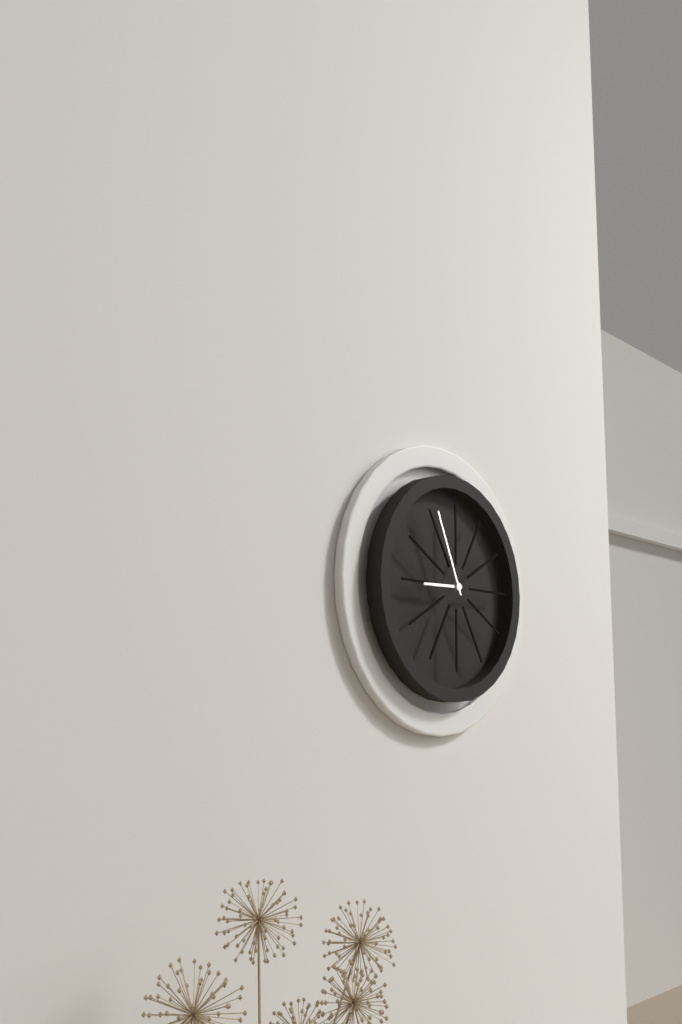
h=8 m=56
